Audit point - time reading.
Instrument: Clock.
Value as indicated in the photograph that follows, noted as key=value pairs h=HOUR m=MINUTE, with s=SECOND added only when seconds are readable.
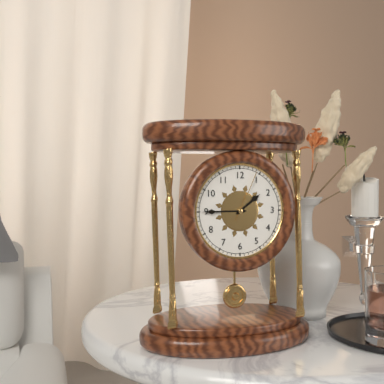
h=1 m=45 s=4
